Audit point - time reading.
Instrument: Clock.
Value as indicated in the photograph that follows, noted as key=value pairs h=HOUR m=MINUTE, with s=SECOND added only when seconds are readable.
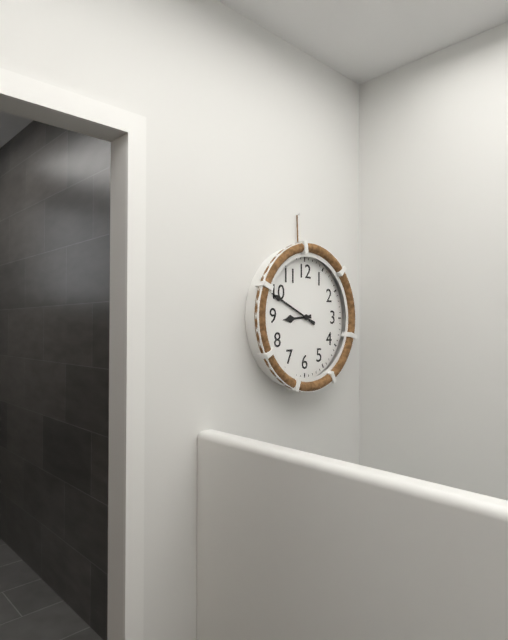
h=8 m=49
